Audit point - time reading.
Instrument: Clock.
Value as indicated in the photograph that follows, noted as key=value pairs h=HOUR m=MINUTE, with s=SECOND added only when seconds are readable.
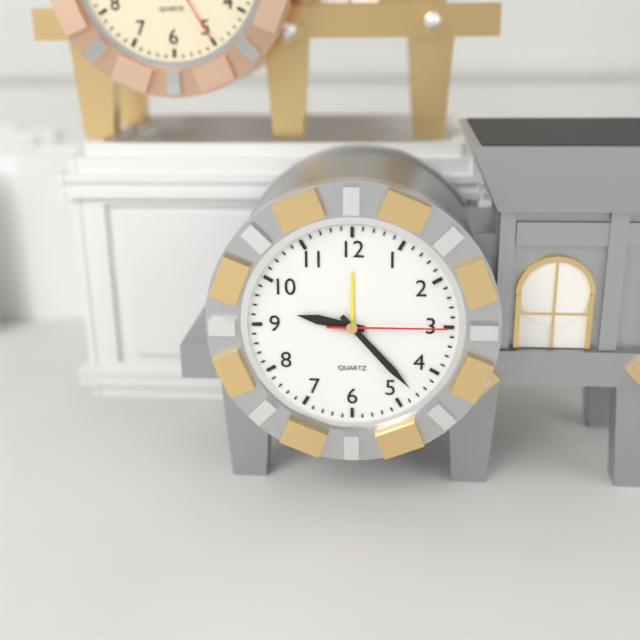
h=9 m=23 s=15
